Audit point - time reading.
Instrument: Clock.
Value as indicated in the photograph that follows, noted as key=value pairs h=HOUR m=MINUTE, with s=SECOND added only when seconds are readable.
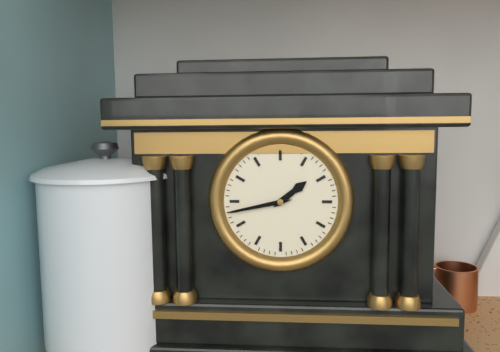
h=1 m=43
